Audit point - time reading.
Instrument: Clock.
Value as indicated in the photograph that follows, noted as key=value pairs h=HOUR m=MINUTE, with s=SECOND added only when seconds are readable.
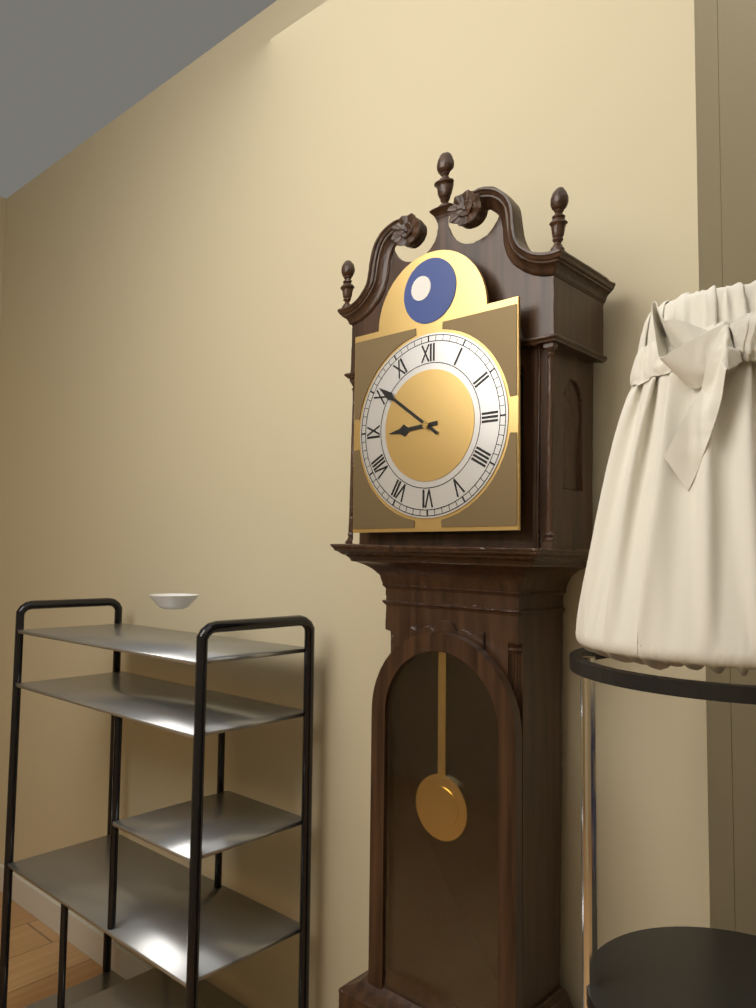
h=8 m=51
